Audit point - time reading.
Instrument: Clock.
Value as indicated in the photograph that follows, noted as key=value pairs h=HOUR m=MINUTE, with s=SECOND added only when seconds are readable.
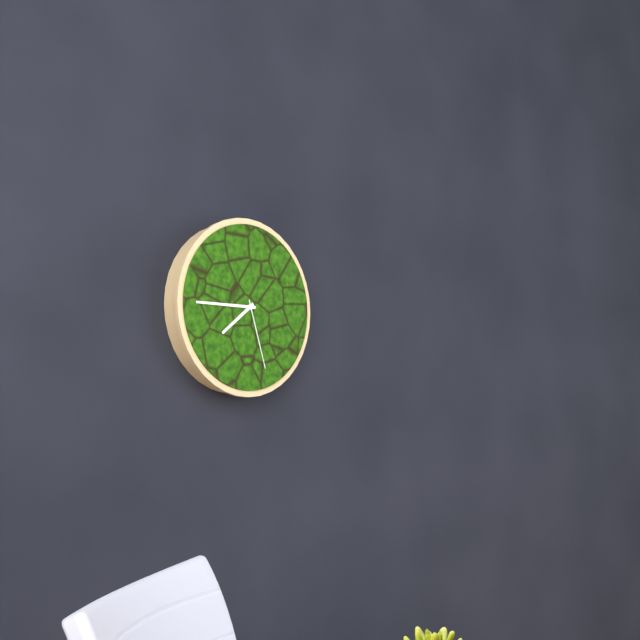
h=7 m=45 s=27
